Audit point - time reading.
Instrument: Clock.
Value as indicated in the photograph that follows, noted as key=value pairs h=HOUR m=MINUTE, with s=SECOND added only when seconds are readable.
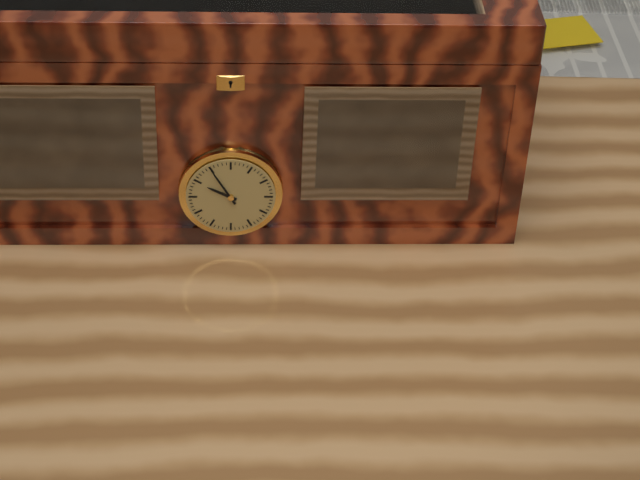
h=9 m=55
